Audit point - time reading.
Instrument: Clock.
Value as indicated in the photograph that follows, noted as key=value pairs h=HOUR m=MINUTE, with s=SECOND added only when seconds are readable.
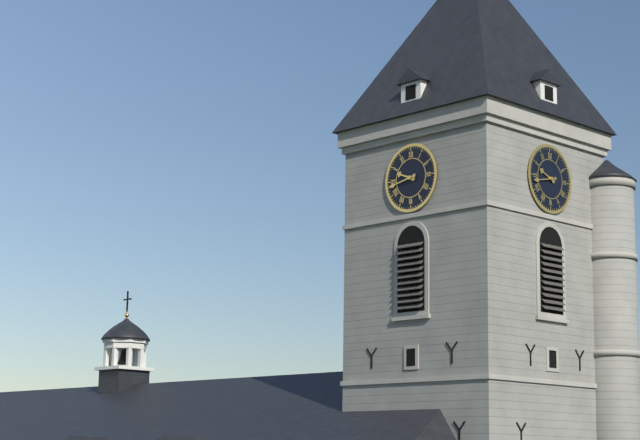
h=9 m=43
